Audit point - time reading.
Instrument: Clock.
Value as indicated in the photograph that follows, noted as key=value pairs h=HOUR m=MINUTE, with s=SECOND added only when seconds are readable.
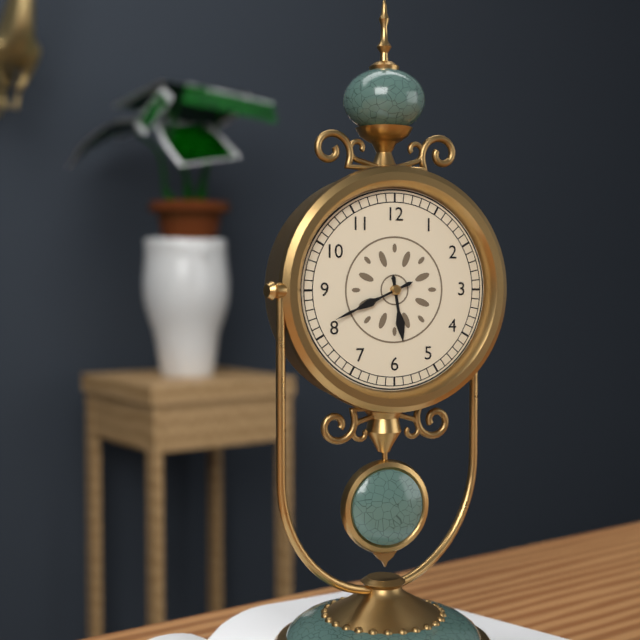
h=5 m=41
